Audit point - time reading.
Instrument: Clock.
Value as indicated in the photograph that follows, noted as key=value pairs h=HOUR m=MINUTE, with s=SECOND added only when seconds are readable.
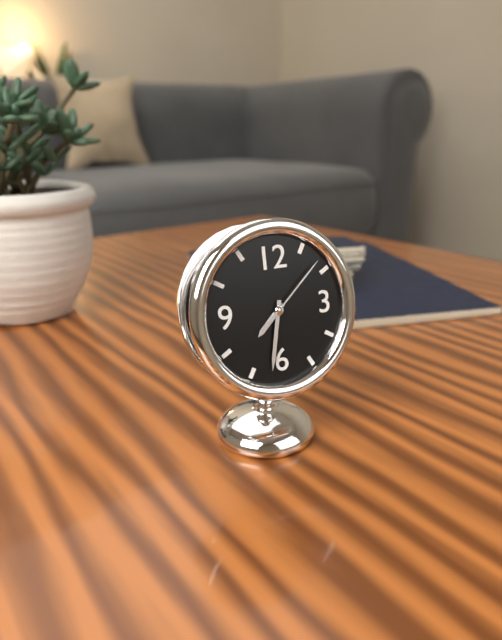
h=7 m=32 s=8
